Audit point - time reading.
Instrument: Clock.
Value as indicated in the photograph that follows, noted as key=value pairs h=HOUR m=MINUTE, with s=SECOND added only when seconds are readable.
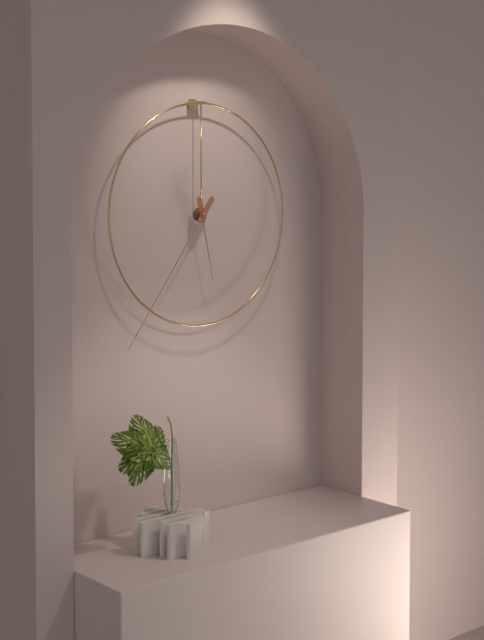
h=5 m=36
